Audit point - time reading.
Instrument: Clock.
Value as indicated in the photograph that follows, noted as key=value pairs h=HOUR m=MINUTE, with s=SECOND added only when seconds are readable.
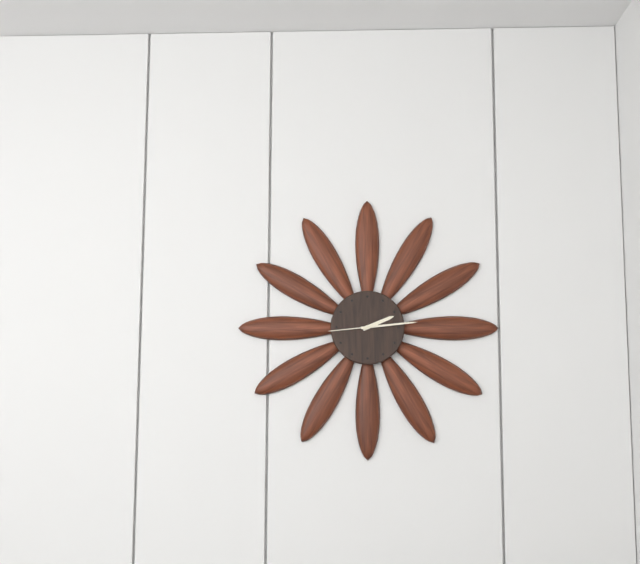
h=2 m=14
